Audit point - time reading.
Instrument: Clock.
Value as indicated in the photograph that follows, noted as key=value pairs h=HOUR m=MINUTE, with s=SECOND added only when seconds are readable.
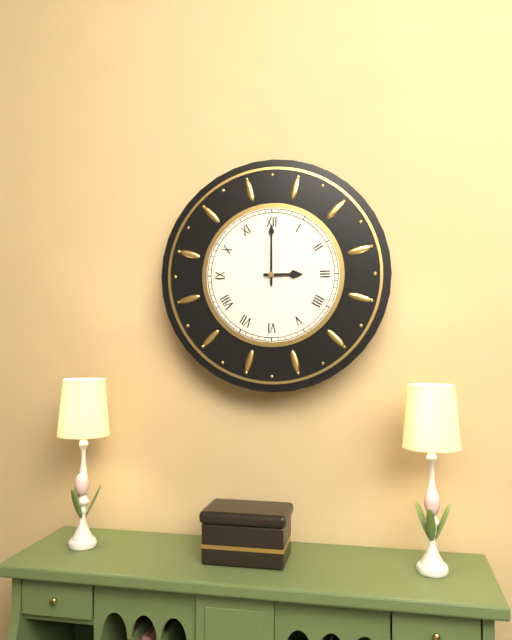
h=3 m=0
